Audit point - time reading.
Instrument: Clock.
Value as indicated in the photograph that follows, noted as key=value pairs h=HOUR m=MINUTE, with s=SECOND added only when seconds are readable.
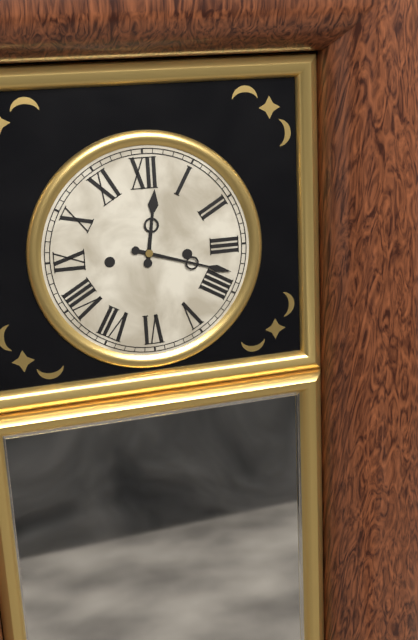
h=12 m=18
